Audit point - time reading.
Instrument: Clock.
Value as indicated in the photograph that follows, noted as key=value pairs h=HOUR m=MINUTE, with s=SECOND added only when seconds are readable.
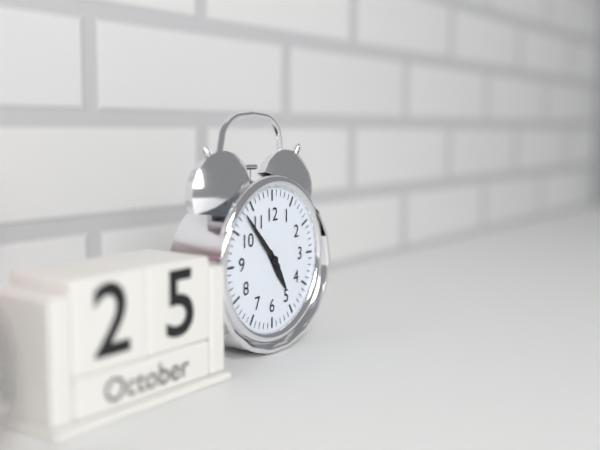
h=4 m=53
